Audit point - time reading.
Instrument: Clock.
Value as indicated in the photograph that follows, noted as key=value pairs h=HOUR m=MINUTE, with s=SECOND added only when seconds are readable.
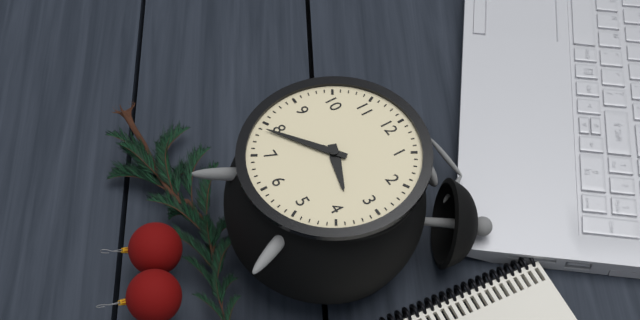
h=3 m=39
